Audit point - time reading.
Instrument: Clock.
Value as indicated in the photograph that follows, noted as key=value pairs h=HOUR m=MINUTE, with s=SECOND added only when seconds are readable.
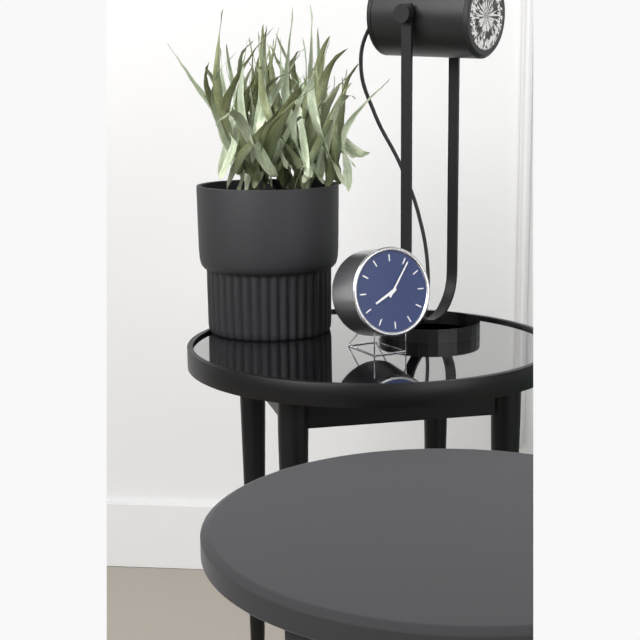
h=8 m=6
